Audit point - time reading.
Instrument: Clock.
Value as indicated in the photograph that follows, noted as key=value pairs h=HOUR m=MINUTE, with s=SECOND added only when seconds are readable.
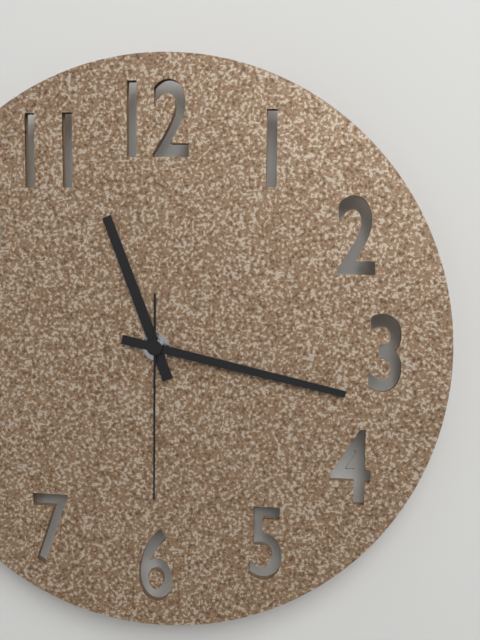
h=11 m=17 s=30
